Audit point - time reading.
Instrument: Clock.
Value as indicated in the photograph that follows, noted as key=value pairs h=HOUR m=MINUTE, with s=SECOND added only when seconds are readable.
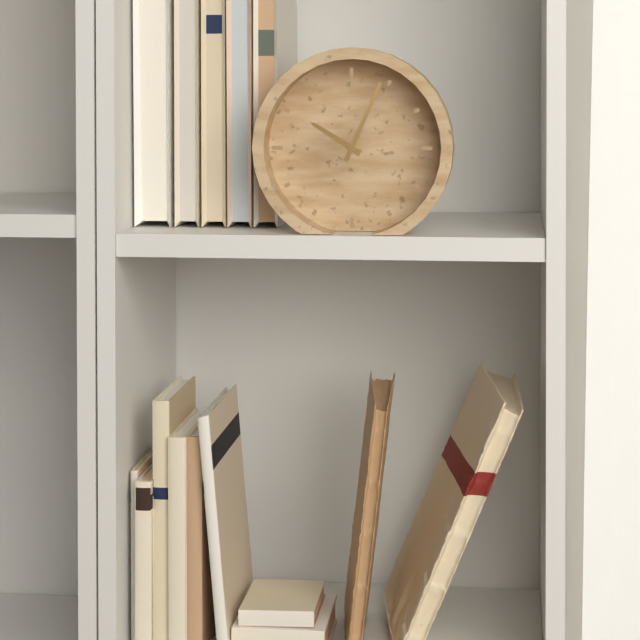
h=10 m=4
